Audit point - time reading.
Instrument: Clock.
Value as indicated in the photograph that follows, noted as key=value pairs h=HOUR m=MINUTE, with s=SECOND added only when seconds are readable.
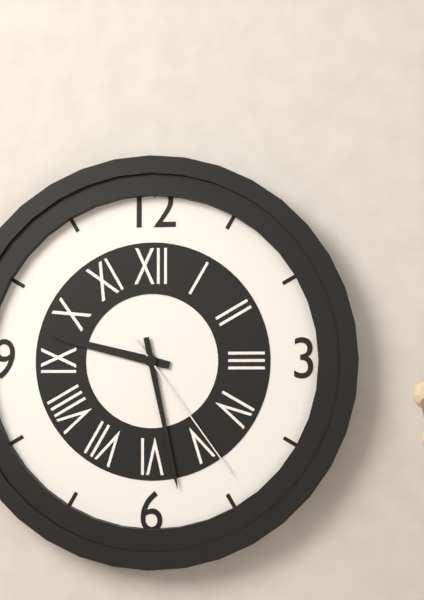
h=9 m=28 s=24
